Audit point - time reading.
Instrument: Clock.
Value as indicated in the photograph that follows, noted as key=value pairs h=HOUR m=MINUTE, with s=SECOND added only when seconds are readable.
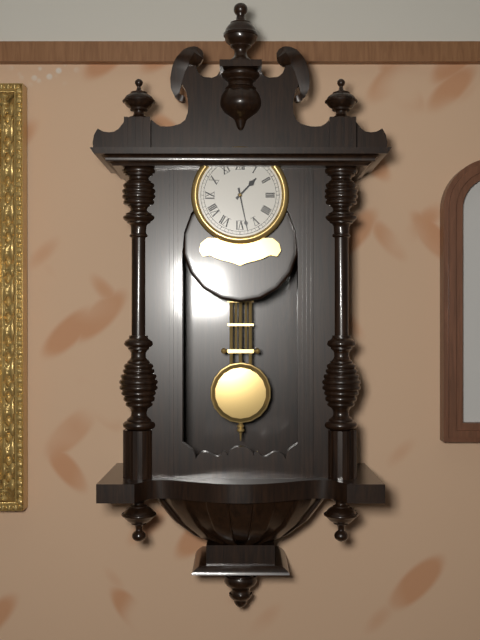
h=1 m=28
